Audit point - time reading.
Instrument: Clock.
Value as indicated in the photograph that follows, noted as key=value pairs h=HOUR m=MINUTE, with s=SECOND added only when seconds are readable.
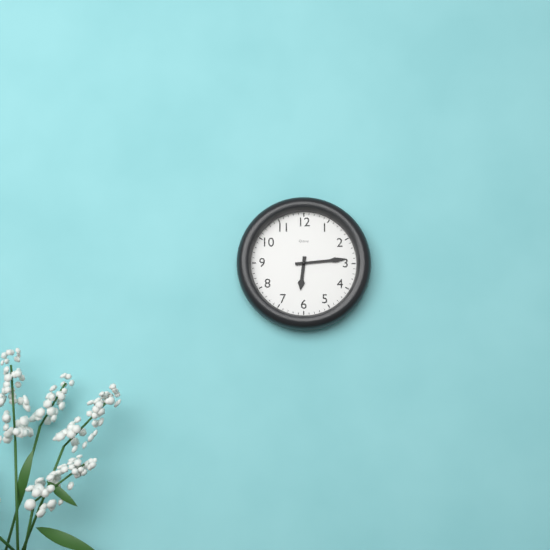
h=6 m=14
